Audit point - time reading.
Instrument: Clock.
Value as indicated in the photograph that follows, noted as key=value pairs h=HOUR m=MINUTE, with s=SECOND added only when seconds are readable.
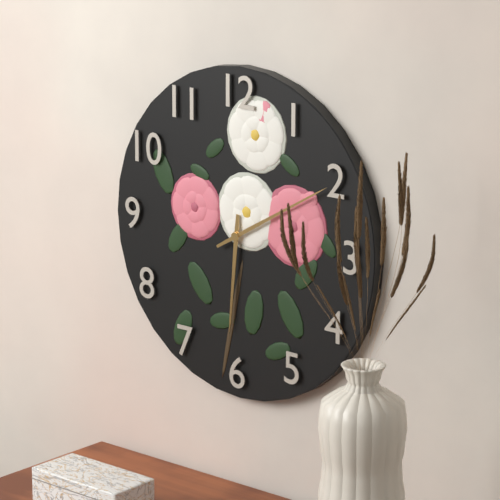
h=6 m=10
